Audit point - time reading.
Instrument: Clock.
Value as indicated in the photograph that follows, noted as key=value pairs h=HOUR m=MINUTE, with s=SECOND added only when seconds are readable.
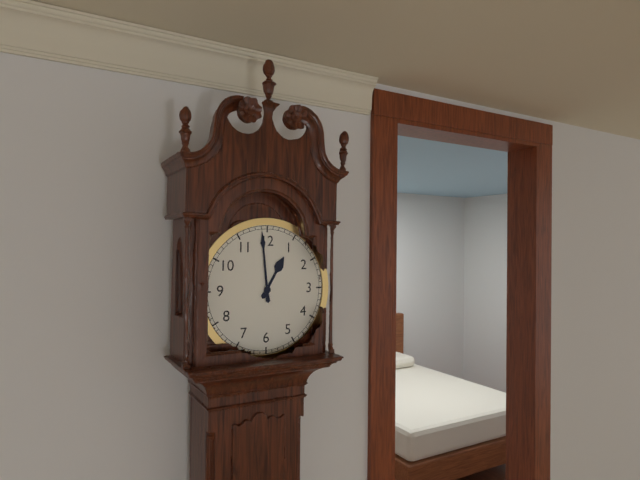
h=12 m=59
